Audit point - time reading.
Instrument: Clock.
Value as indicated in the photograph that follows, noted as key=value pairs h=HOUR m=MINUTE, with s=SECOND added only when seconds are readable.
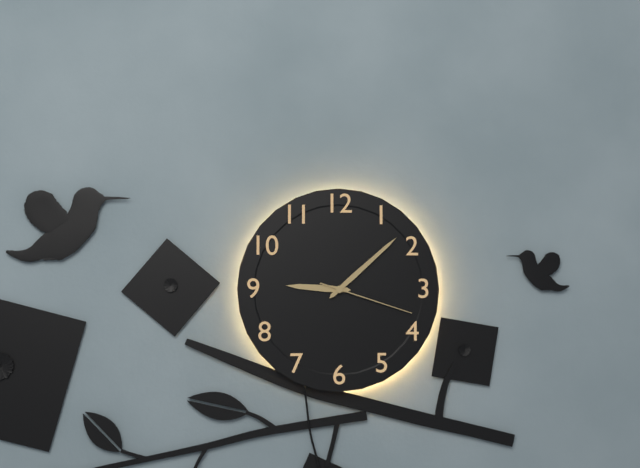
h=9 m=8 s=18
